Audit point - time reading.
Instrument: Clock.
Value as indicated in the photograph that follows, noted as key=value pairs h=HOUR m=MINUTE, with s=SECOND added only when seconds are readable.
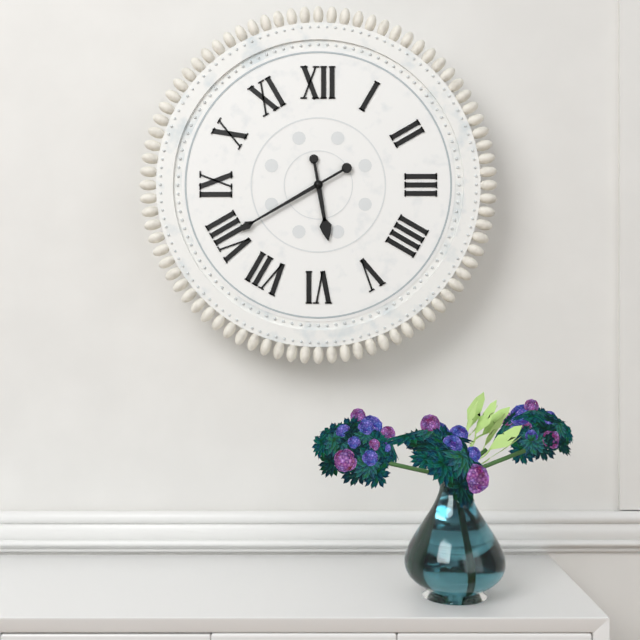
h=5 m=40
